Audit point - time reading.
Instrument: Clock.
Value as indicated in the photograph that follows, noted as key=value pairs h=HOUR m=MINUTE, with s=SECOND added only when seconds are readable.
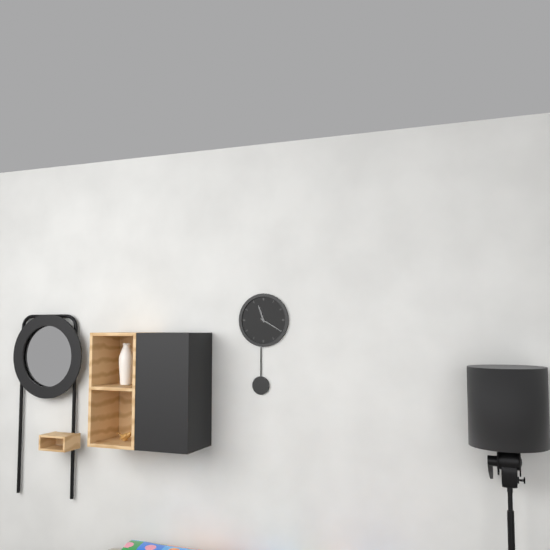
h=11 m=20
